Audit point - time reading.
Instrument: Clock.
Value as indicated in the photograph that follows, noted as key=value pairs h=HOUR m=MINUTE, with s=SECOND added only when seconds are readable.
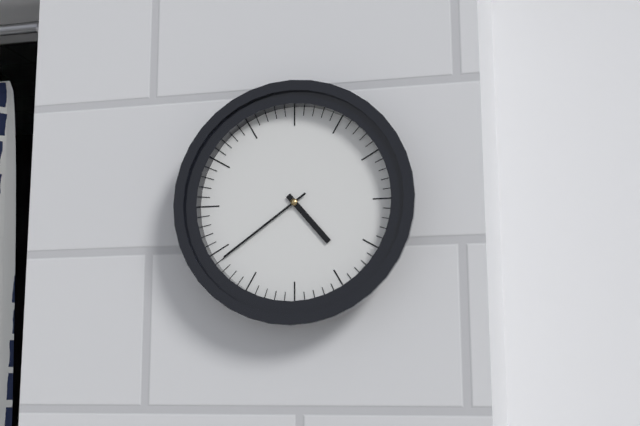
h=4 m=39
